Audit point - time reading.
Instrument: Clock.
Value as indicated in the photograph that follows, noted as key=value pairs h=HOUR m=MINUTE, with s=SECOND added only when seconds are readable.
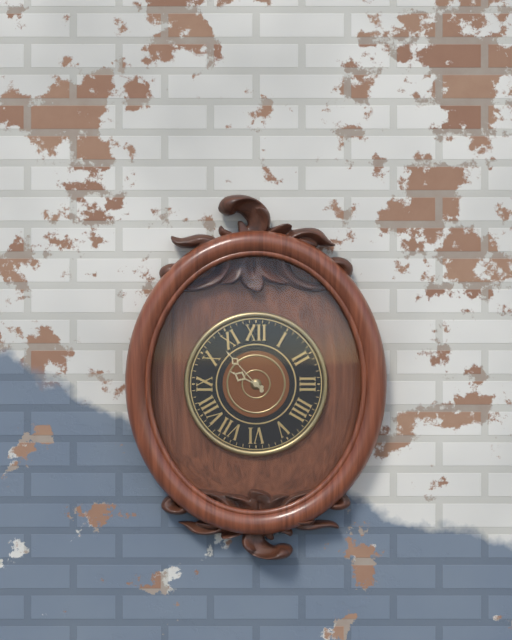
h=9 m=53
